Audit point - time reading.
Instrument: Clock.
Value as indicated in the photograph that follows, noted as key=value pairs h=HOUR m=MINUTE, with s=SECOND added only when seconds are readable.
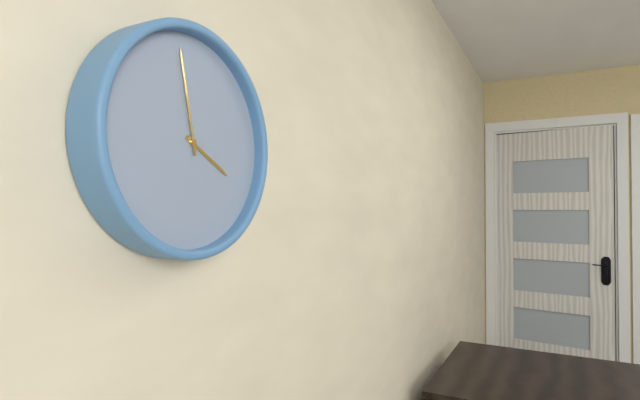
h=3 m=58
